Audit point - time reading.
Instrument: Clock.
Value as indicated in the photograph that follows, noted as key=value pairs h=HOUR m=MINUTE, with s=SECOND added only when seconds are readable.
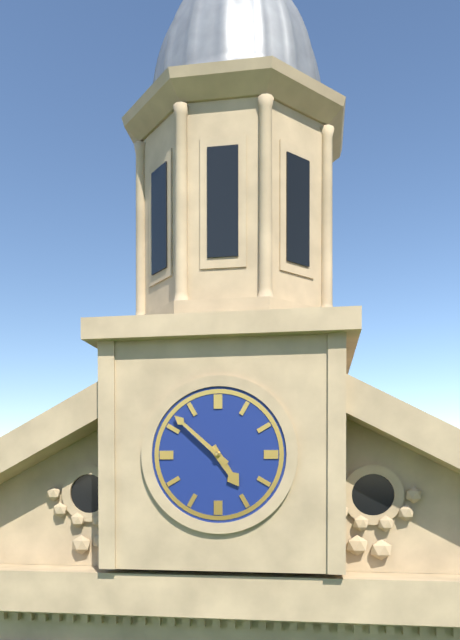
h=4 m=52
